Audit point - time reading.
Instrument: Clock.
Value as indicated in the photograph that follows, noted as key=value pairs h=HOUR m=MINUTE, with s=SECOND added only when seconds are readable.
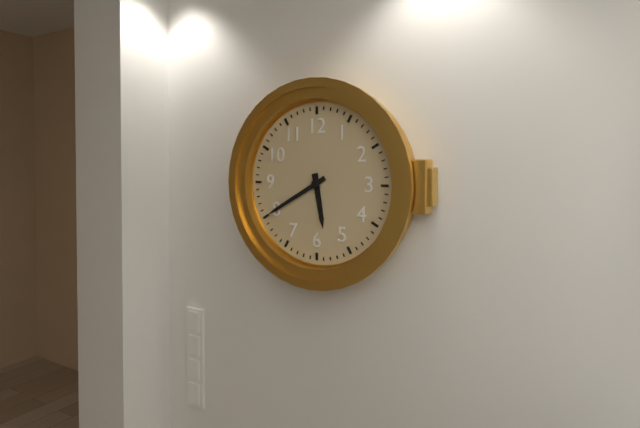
h=5 m=40
